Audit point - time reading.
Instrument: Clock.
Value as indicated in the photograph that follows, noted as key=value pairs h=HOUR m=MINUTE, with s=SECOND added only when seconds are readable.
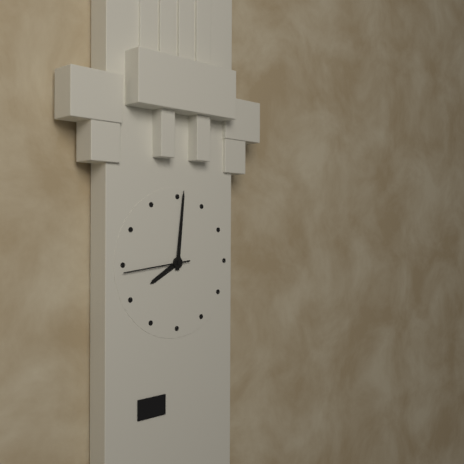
h=8 m=1 s=44
